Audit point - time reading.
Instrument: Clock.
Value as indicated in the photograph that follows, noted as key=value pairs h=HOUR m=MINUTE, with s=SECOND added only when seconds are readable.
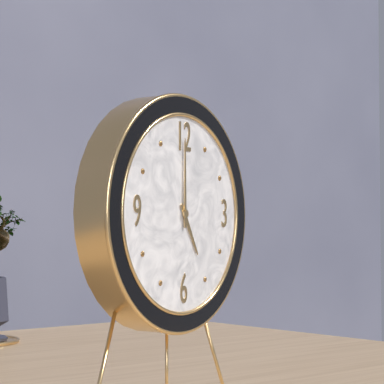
h=5 m=0
